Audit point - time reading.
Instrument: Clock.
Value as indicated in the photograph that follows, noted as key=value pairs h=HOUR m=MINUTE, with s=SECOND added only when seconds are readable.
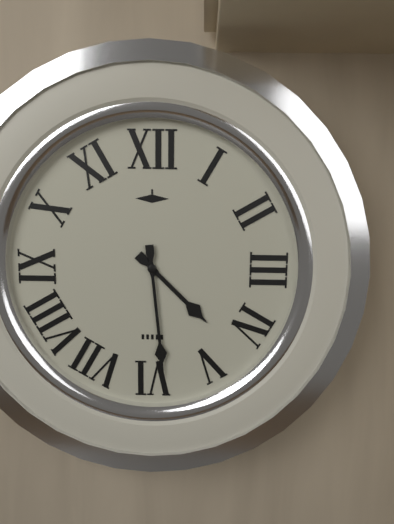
h=4 m=29
